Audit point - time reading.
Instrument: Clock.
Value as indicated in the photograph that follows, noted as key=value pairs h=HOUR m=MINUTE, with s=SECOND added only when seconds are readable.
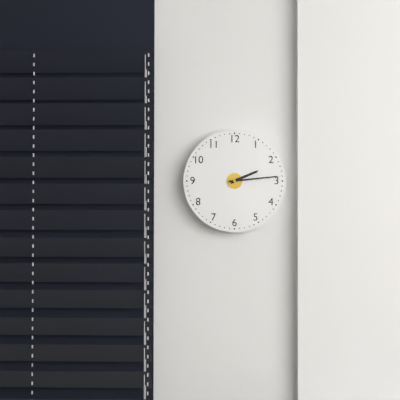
h=2 m=14
